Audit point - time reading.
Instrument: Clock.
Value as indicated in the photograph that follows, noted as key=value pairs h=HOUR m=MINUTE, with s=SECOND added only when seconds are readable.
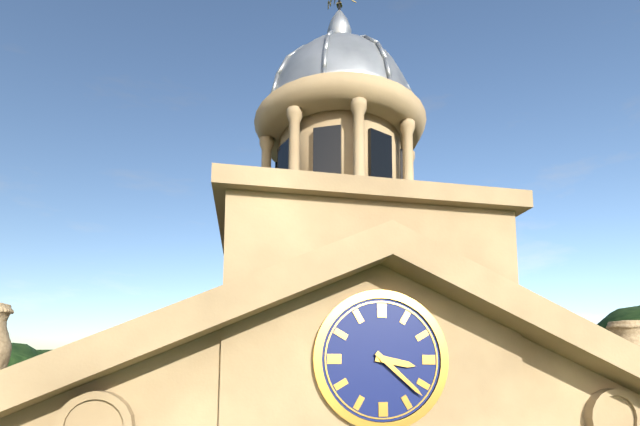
h=3 m=22
